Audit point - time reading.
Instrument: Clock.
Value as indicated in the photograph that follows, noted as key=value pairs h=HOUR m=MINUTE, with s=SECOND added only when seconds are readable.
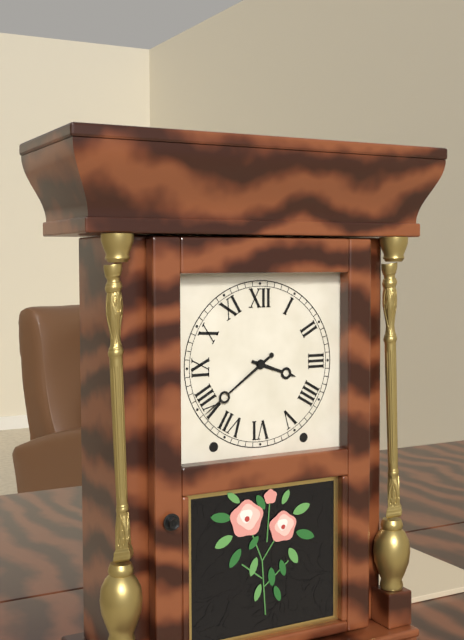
h=3 m=39
